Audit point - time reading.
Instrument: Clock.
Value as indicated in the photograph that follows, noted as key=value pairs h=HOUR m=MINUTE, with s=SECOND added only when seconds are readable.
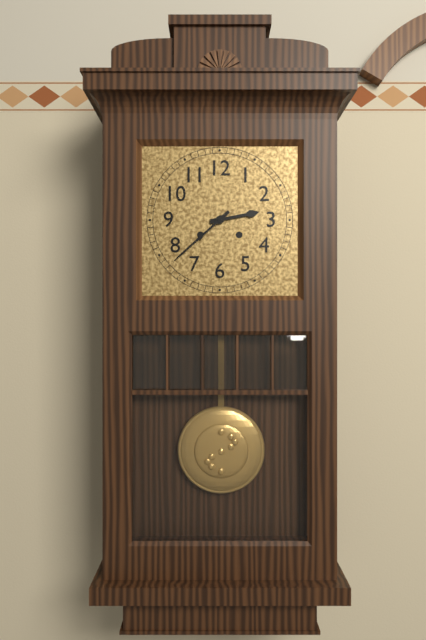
h=2 m=38
